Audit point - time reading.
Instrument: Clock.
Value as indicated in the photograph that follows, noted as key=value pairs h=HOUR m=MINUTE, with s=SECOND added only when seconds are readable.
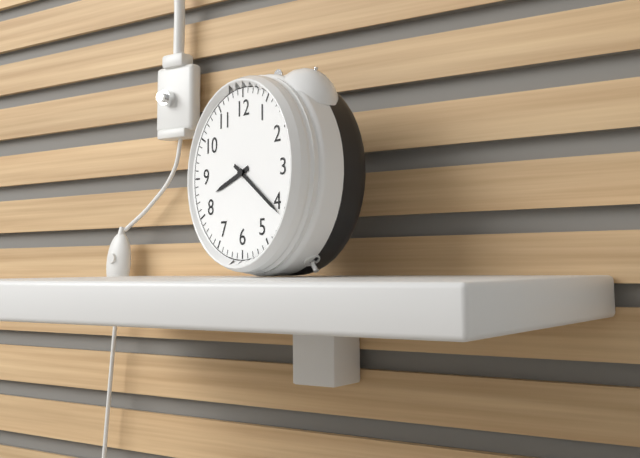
h=8 m=21
